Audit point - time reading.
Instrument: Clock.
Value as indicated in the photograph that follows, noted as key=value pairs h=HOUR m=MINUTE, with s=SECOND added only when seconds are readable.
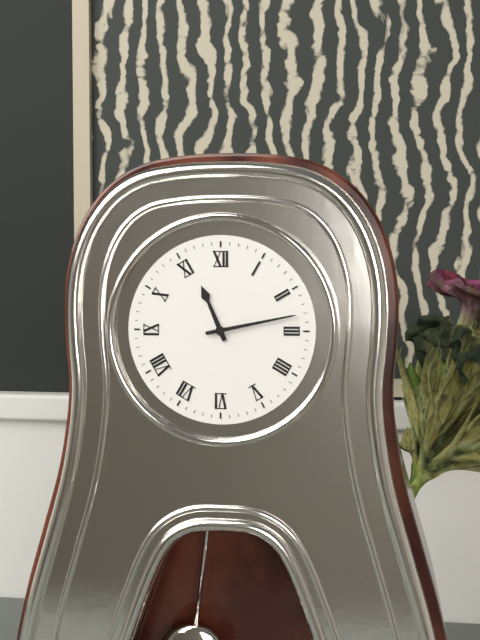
h=11 m=13
